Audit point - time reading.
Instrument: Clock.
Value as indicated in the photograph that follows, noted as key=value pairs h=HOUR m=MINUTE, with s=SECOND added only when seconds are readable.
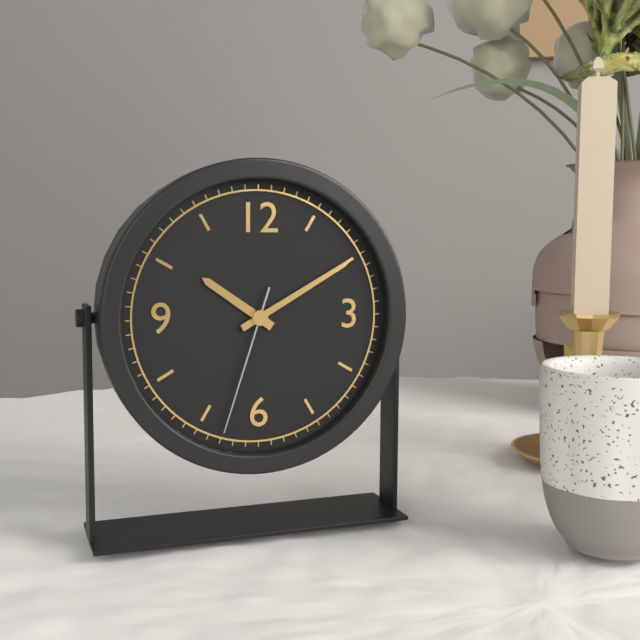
h=10 m=10 s=33
